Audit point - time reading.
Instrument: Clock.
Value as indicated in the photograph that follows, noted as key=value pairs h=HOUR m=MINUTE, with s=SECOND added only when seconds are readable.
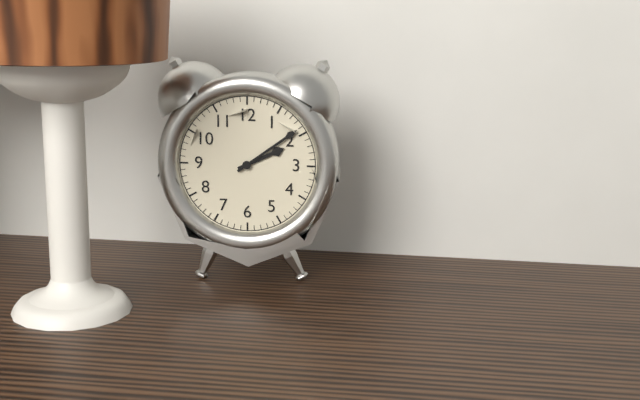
h=2 m=9
